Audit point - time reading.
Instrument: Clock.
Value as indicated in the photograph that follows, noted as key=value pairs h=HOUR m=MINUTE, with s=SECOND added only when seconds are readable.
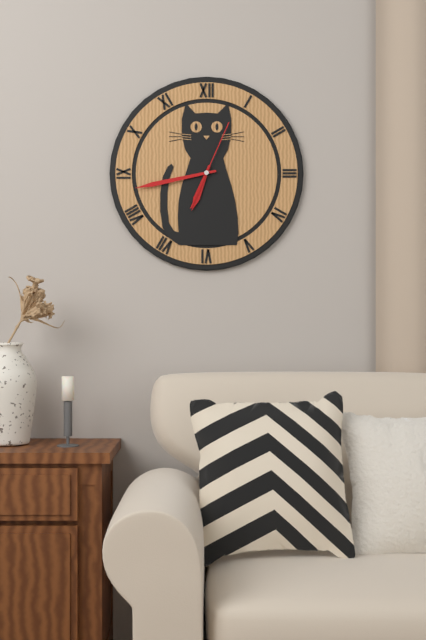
h=6 m=43 s=4
